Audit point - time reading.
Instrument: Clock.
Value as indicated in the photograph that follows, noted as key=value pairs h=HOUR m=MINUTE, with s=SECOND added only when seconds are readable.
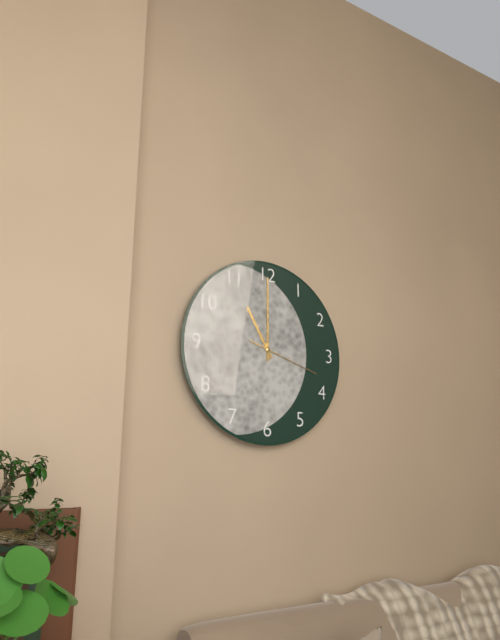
h=11 m=0 s=18
